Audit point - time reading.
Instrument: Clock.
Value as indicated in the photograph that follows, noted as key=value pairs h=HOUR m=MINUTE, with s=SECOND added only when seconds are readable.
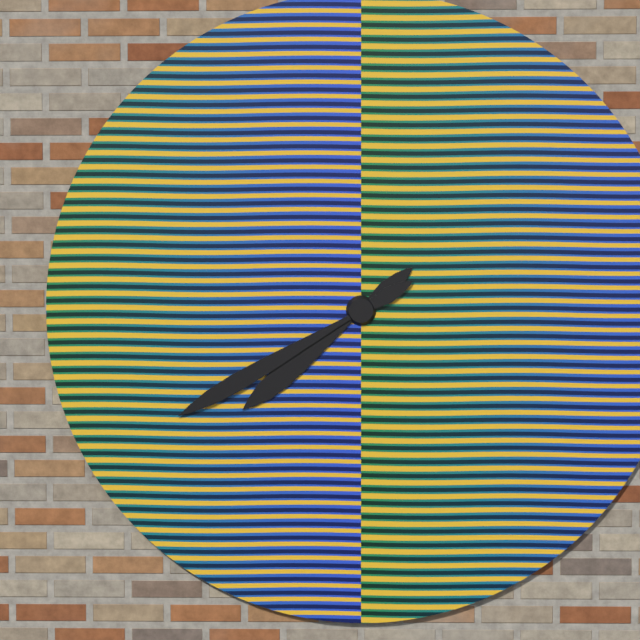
h=7 m=40
